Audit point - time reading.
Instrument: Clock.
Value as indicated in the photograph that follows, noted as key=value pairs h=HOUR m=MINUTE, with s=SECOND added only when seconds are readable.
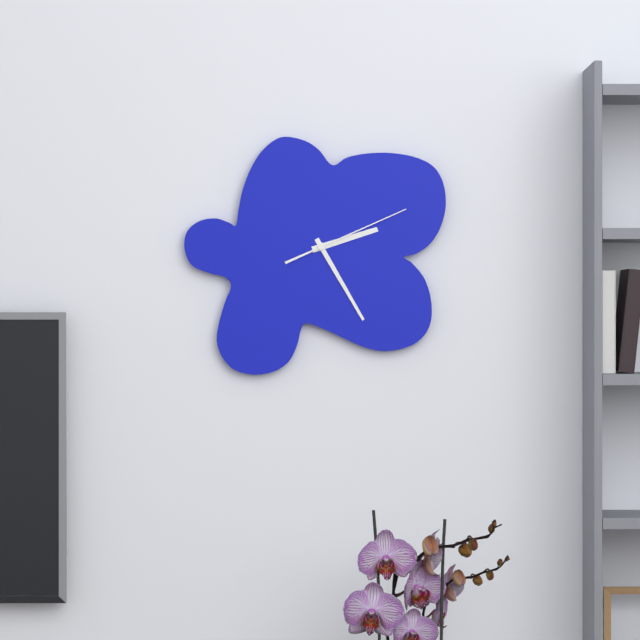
h=2 m=25 s=11
